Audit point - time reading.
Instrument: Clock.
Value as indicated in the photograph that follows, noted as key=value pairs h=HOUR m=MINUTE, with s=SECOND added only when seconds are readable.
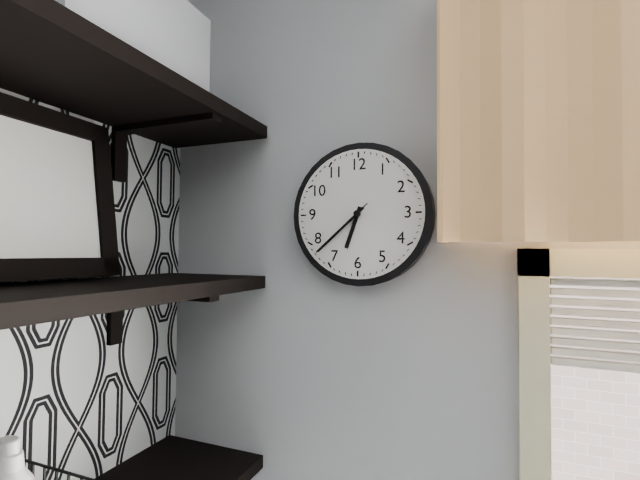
h=6 m=38 s=38
